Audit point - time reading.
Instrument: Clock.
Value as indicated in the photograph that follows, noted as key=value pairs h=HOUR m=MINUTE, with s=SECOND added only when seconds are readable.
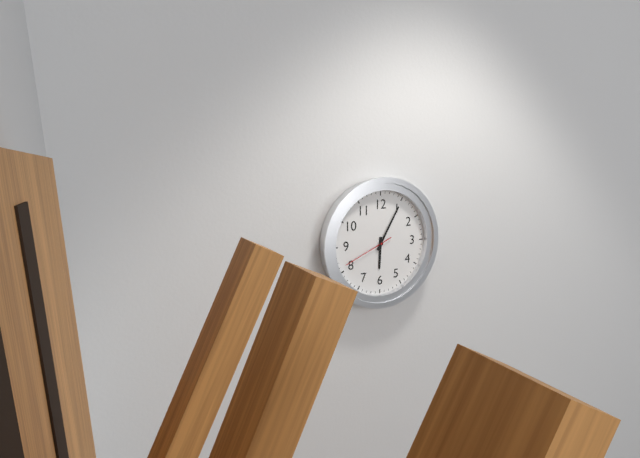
h=6 m=5 s=41
